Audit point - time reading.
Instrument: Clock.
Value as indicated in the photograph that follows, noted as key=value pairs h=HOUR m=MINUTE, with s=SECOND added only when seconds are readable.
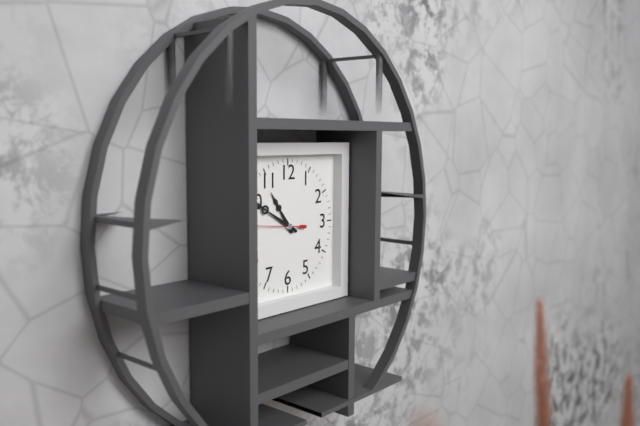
h=10 m=50
